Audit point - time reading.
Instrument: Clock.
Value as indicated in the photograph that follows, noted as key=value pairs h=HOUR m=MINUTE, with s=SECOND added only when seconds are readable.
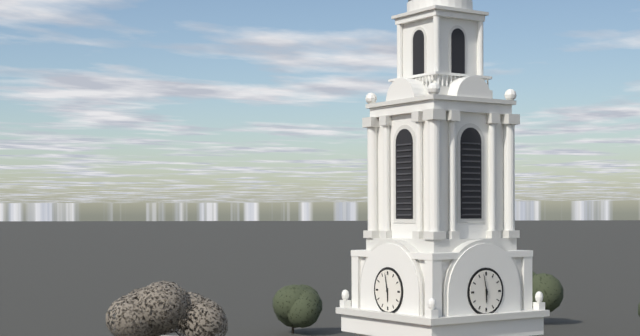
h=5 m=58
